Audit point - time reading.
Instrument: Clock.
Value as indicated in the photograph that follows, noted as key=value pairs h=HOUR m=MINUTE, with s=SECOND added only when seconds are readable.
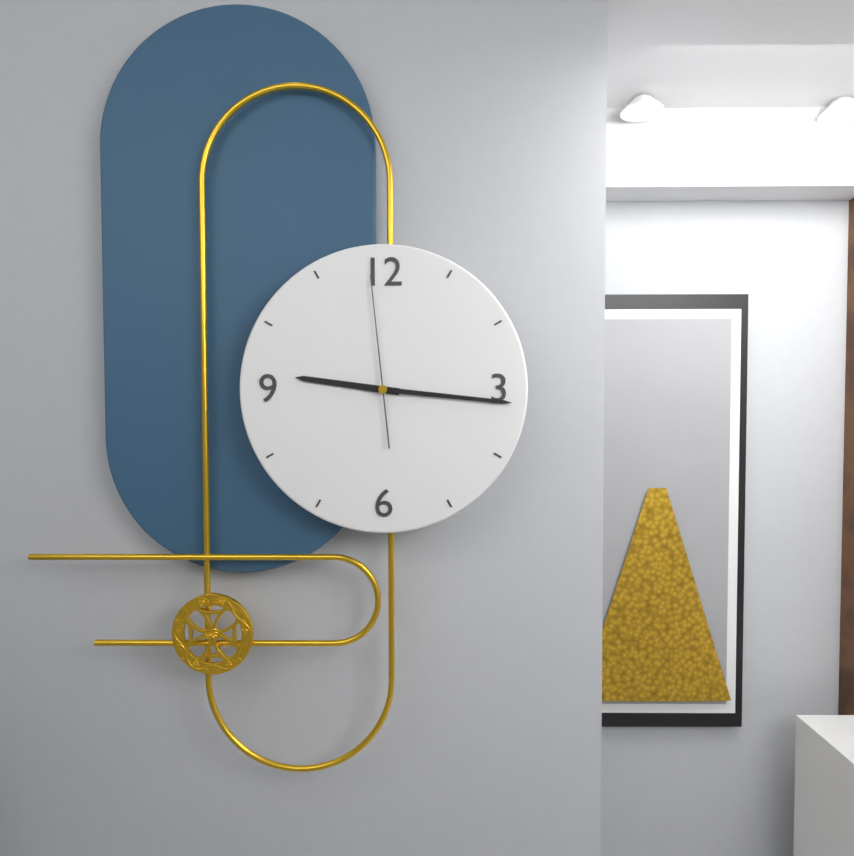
h=9 m=16 s=59
